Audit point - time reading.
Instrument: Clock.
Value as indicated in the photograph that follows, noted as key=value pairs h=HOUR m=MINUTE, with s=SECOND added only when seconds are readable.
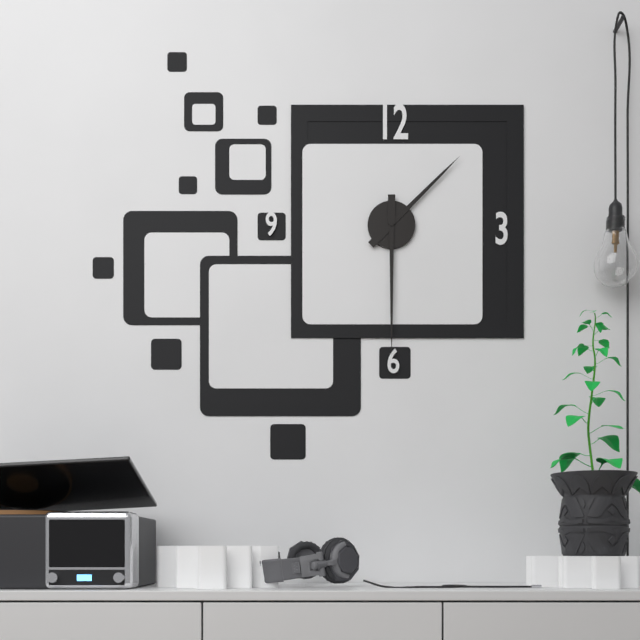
h=1 m=30
